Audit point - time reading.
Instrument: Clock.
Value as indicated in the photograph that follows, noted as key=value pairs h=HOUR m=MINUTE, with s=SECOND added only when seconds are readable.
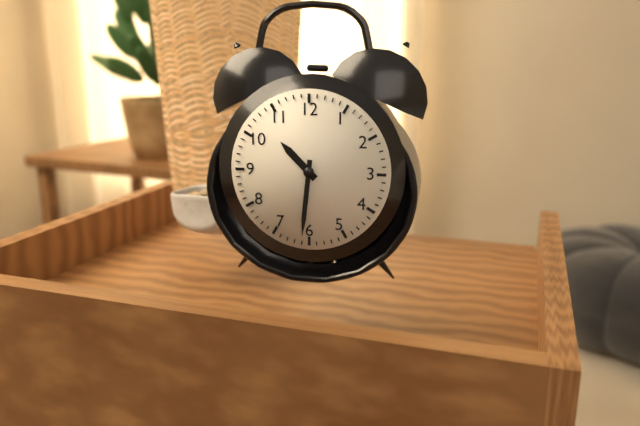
h=10 m=31
